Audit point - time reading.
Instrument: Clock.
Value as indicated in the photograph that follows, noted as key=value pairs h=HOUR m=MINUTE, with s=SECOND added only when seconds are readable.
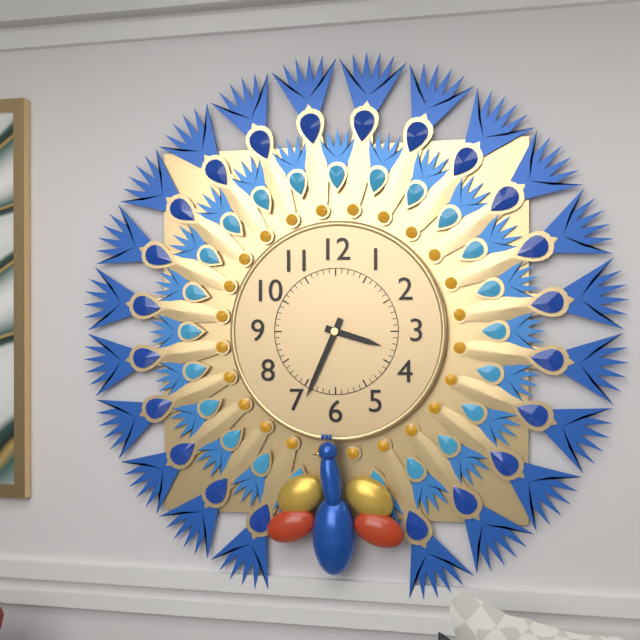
h=3 m=34
